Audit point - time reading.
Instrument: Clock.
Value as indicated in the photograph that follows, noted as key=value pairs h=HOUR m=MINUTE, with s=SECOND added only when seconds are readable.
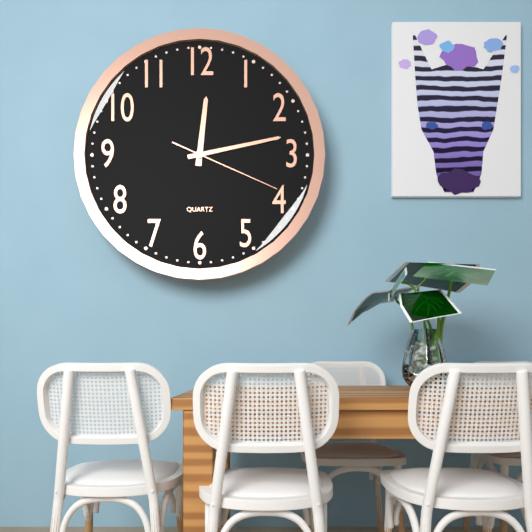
h=12 m=13 s=19
